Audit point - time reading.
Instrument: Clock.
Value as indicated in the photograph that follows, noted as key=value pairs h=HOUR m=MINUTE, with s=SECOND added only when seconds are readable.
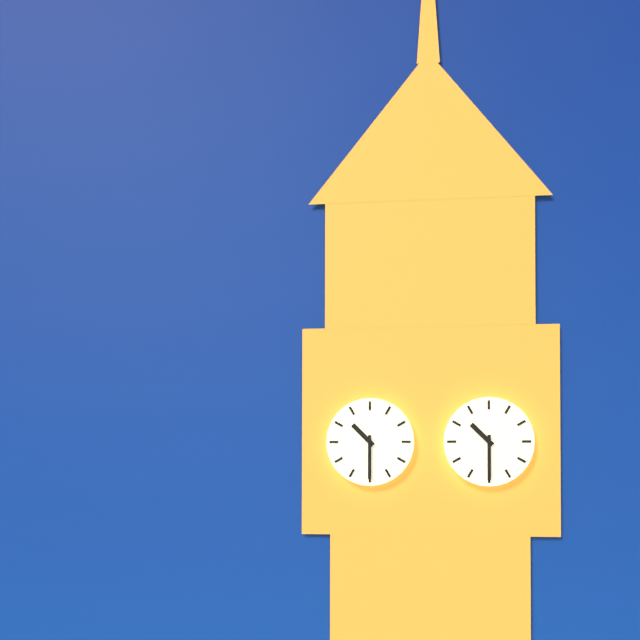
h=10 m=30
